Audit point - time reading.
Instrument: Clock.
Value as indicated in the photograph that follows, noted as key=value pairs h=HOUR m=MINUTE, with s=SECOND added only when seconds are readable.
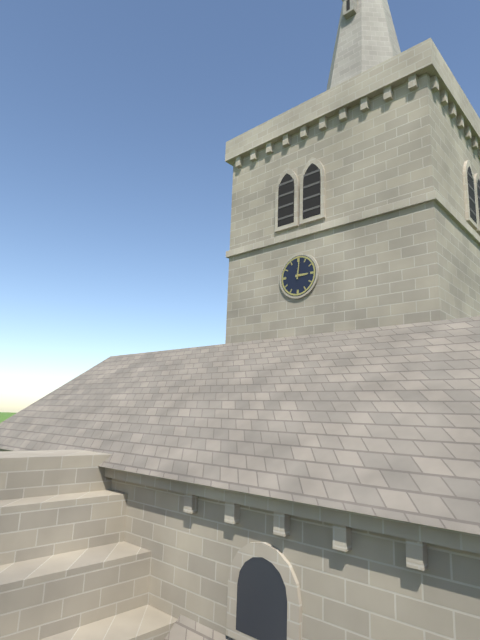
h=3 m=1
